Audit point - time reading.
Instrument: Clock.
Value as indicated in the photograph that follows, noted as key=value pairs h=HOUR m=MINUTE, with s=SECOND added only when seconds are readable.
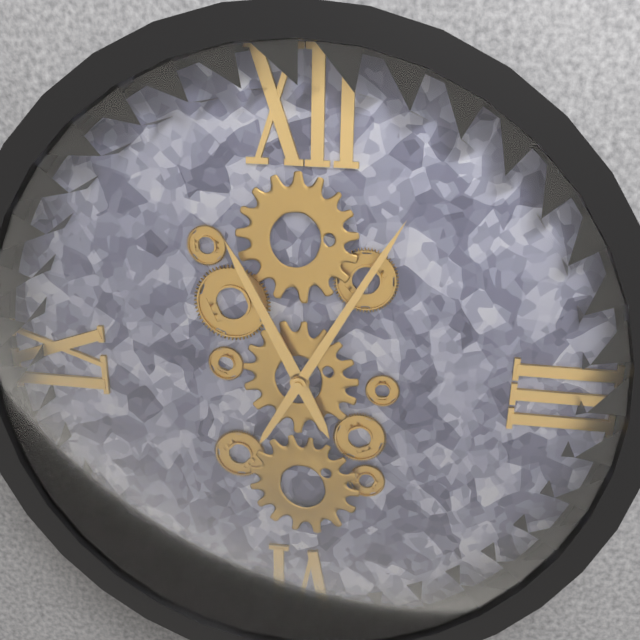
h=11 m=5
